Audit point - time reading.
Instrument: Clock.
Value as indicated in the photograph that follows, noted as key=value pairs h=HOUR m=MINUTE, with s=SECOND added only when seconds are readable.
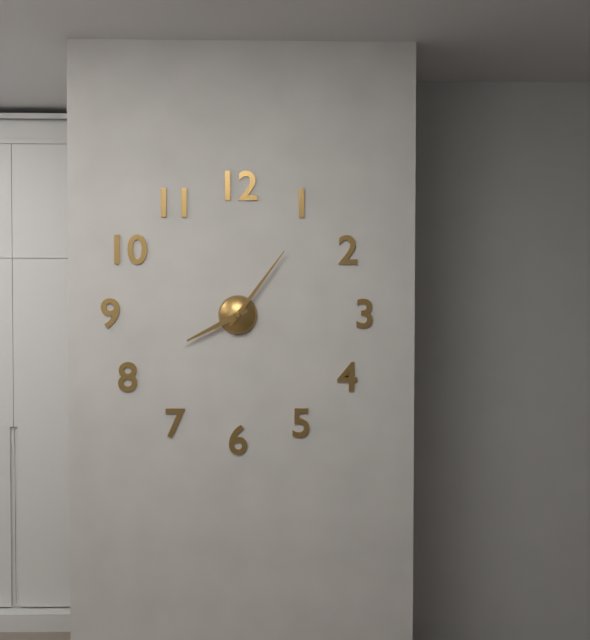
h=8 m=6
